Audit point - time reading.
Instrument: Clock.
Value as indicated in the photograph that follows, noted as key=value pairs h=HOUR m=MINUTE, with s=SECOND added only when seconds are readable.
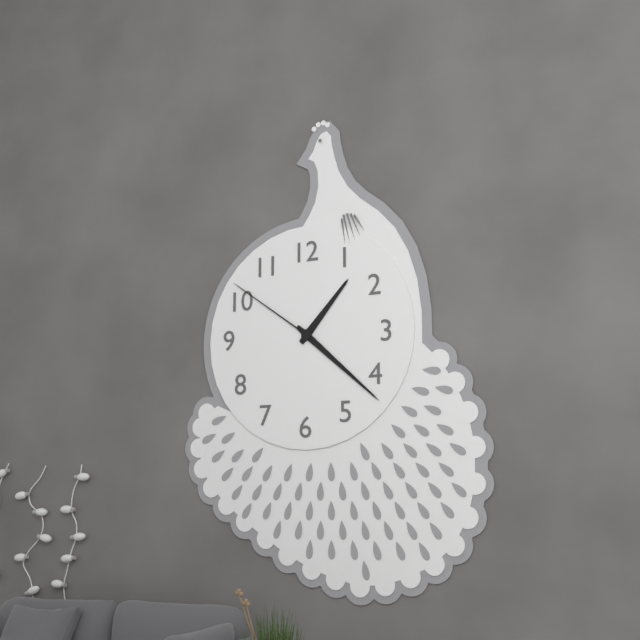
h=1 m=22 s=51
